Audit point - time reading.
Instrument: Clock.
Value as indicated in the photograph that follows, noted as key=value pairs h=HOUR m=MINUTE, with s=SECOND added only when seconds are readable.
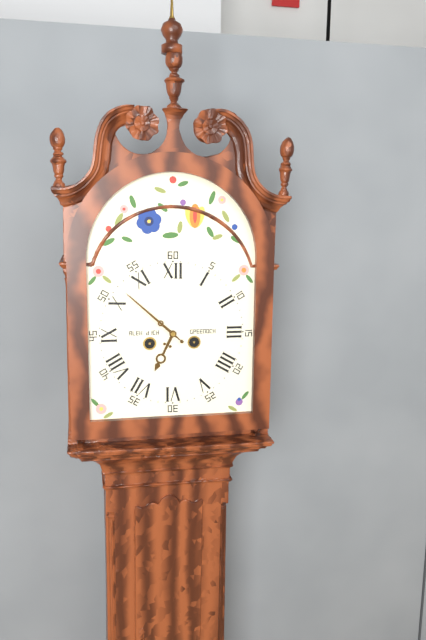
h=6 m=52
